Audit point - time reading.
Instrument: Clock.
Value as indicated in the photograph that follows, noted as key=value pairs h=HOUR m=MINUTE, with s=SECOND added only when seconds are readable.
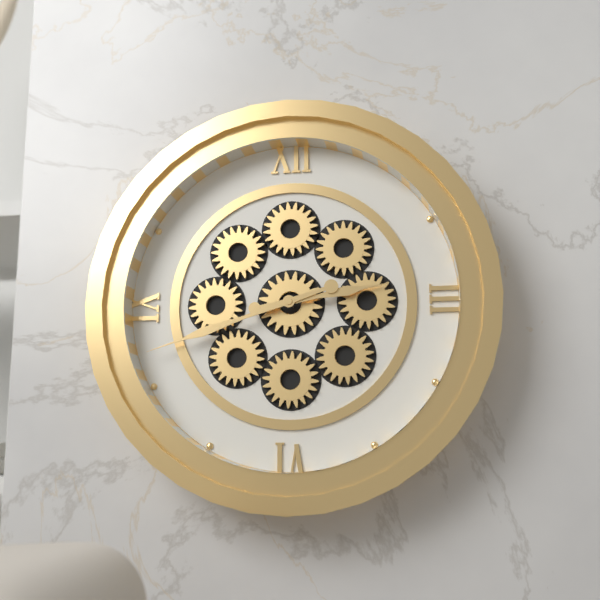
h=2 m=42
